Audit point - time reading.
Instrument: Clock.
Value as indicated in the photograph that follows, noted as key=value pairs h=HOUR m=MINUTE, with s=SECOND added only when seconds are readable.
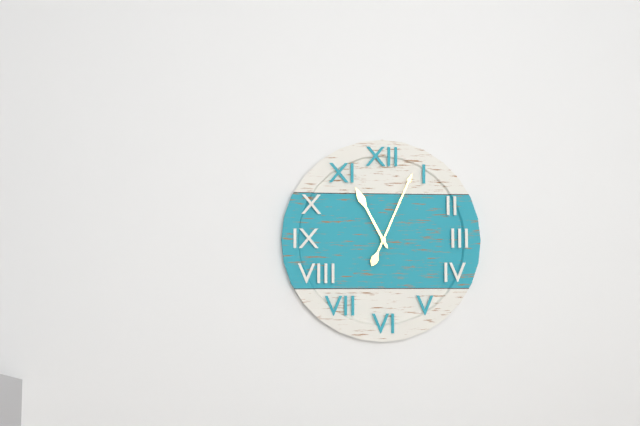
h=11 m=4
